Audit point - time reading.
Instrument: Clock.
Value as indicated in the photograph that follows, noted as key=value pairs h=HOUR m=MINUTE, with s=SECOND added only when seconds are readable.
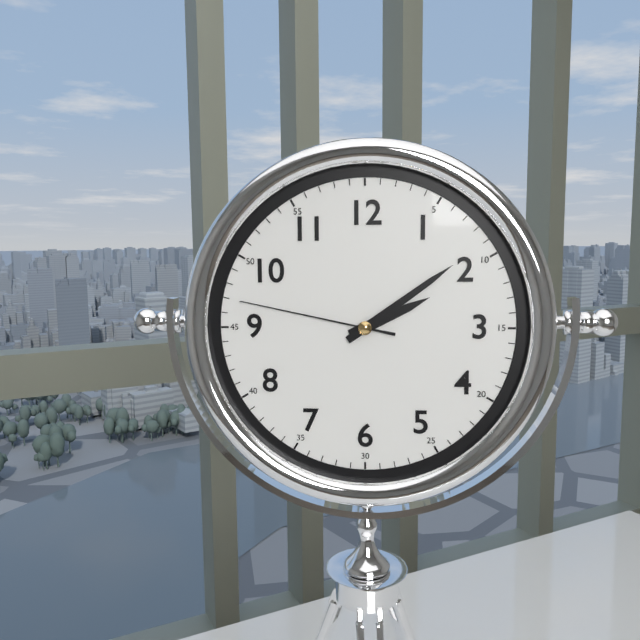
h=2 m=9 s=47
